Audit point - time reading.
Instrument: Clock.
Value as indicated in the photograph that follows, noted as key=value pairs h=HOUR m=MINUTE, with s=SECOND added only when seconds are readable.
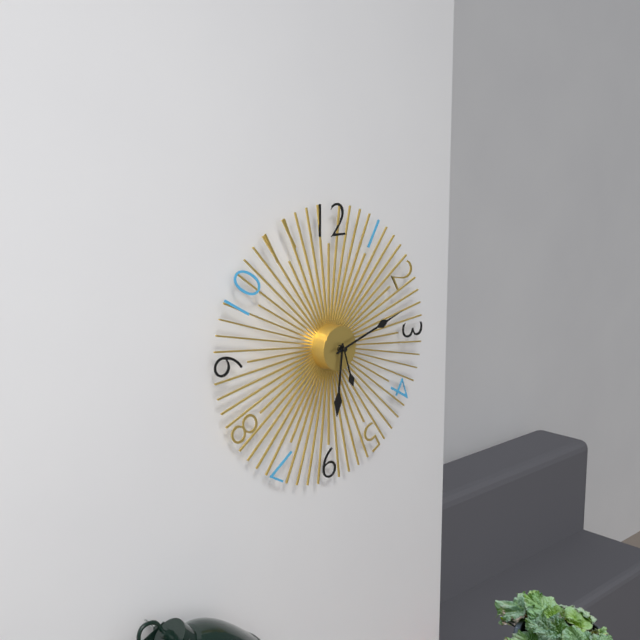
h=6 m=12 s=27
